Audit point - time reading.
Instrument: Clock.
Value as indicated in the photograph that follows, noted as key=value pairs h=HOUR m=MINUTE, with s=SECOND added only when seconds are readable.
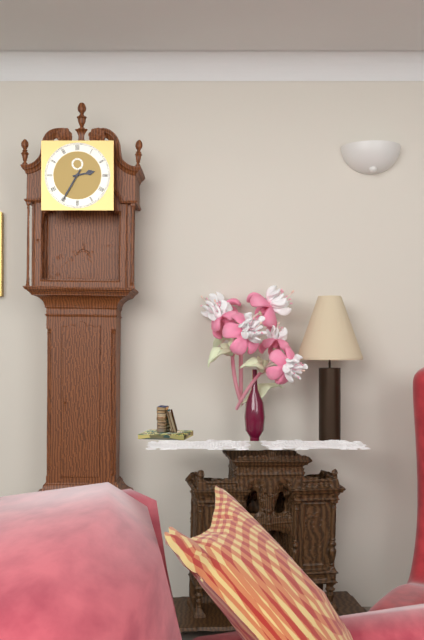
h=2 m=35
